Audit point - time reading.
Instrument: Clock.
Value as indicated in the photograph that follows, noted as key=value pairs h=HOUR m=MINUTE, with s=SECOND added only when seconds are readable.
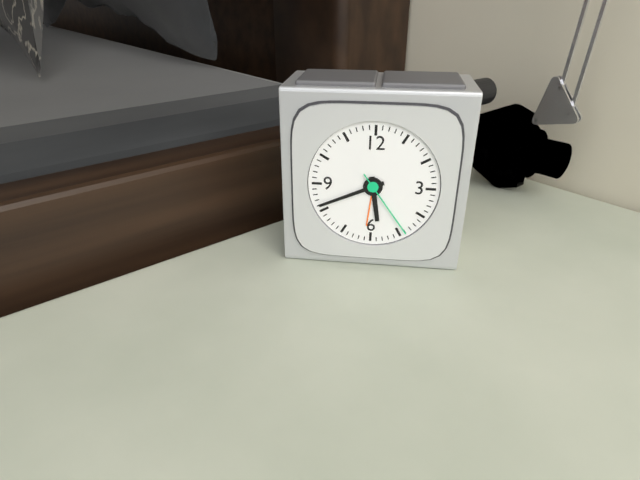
h=5 m=41 s=24
